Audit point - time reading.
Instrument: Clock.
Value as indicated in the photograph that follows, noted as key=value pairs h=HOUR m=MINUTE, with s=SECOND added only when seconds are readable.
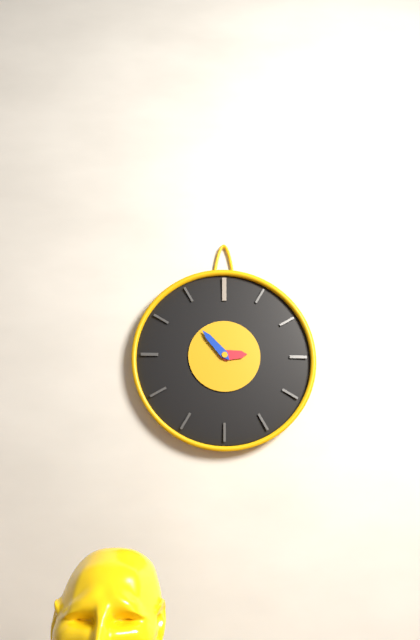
h=2 m=53
